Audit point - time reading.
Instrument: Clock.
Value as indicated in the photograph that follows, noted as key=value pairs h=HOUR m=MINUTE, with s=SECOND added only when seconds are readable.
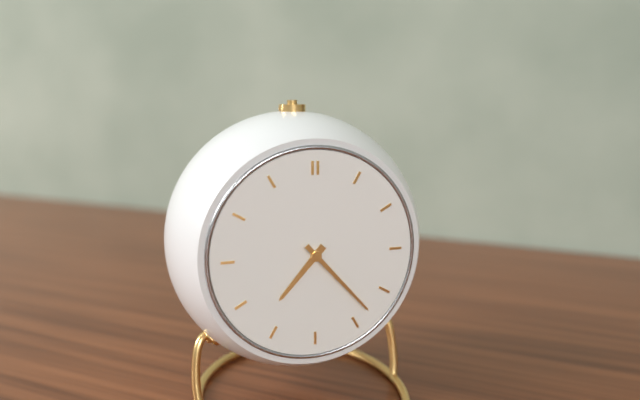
h=7 m=23
